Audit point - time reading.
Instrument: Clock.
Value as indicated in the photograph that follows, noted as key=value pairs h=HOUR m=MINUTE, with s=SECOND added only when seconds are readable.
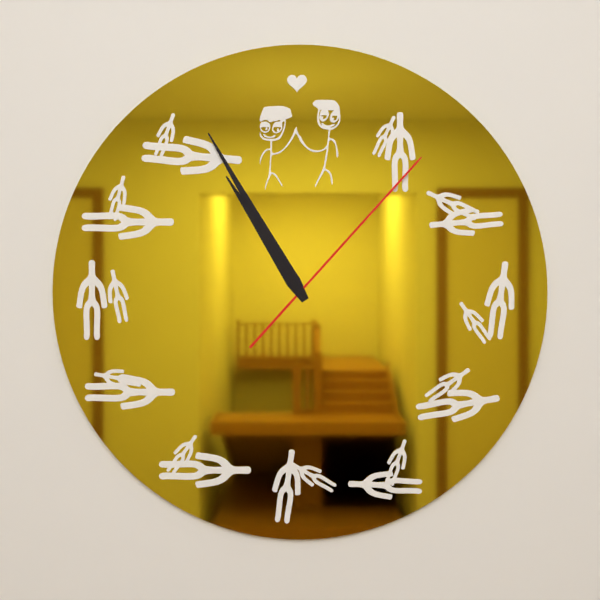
h=10 m=55 s=7
